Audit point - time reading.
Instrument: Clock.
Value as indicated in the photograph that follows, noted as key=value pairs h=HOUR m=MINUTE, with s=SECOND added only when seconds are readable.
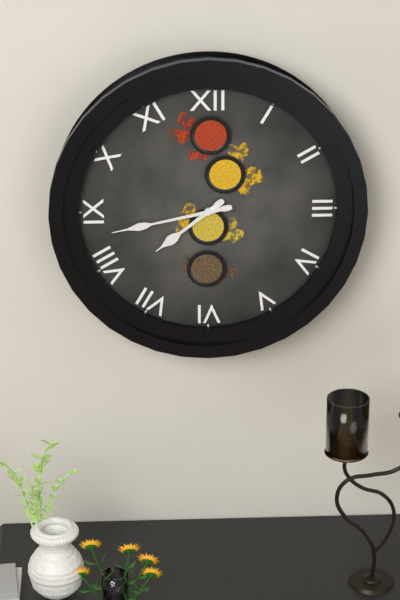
h=7 m=43
